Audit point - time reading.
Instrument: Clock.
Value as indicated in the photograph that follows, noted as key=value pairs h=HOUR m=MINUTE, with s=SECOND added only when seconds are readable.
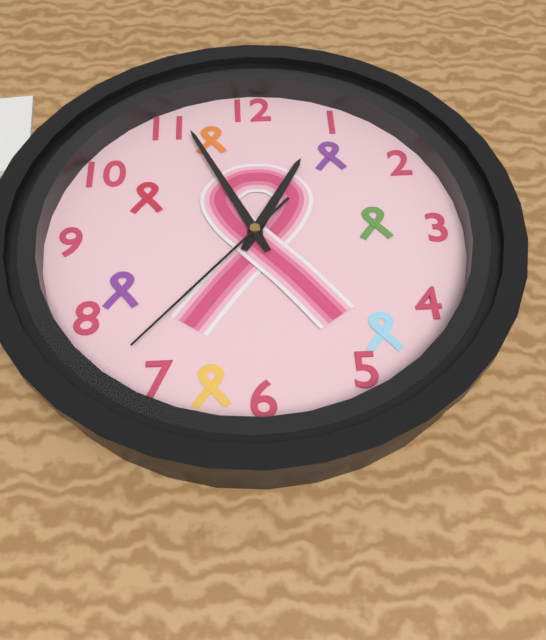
h=12 m=56 s=37
